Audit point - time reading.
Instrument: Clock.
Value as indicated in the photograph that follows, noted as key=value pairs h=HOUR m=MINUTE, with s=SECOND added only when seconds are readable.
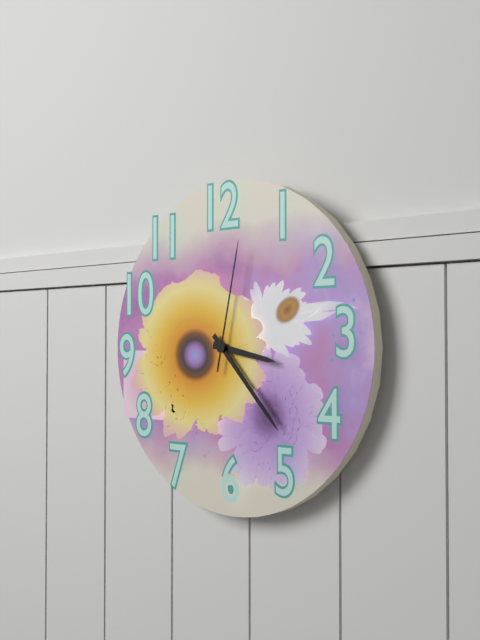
h=3 m=23 s=2
